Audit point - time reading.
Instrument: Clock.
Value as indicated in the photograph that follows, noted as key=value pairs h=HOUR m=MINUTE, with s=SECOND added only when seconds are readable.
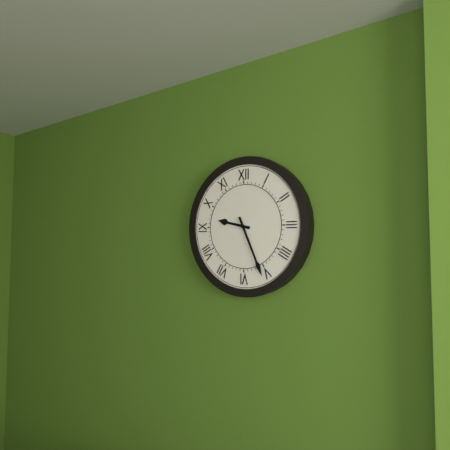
h=9 m=26
